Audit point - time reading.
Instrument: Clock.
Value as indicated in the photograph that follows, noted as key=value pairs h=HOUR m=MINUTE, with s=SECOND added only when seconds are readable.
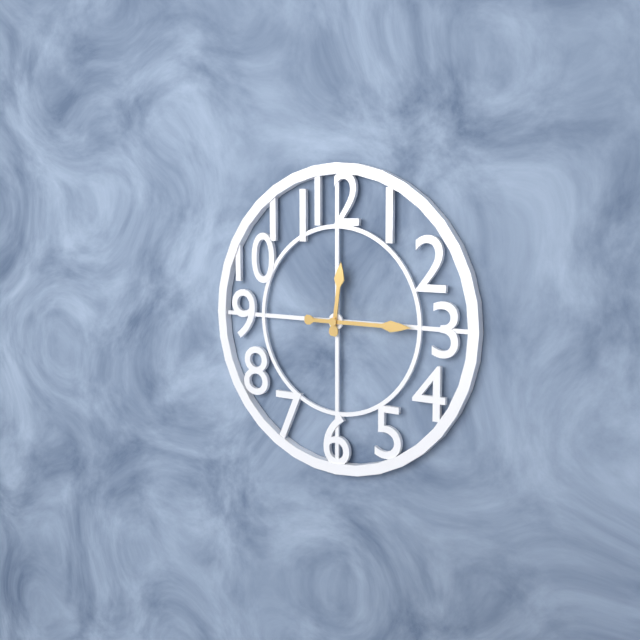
h=12 m=15
